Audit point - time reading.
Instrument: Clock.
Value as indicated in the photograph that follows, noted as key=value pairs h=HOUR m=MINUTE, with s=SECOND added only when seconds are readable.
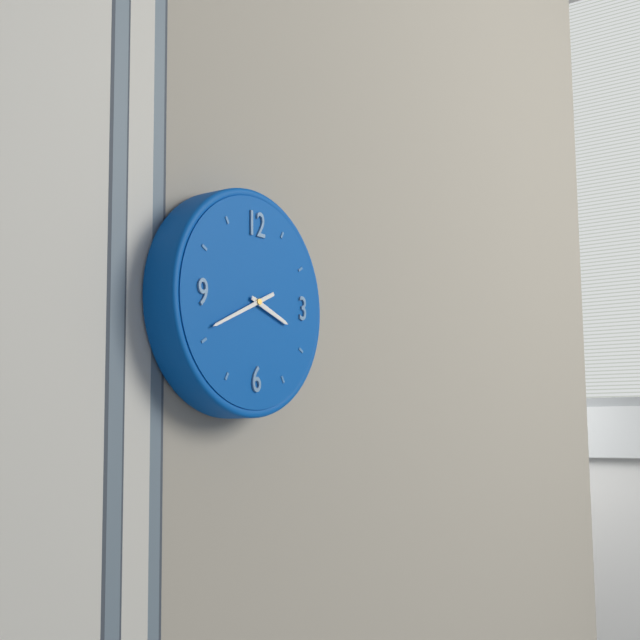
h=3 m=41
